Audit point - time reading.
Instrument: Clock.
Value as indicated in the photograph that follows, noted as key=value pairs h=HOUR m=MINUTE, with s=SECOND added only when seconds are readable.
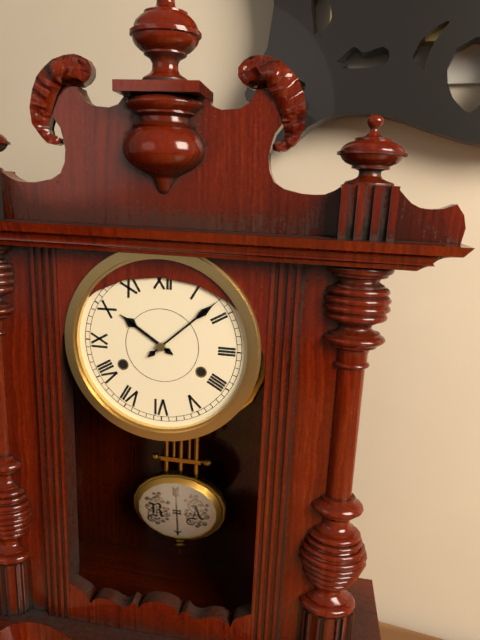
h=10 m=8
